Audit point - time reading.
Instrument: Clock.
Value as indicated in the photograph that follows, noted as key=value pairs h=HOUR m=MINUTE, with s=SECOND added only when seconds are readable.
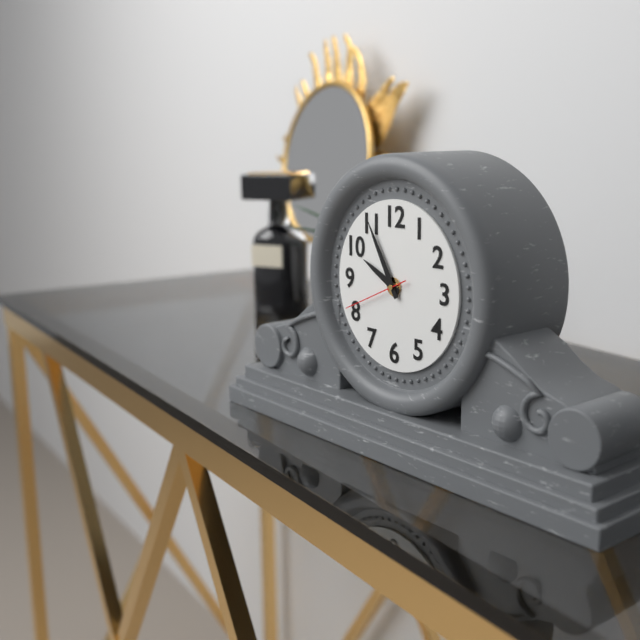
h=9 m=55 s=41
